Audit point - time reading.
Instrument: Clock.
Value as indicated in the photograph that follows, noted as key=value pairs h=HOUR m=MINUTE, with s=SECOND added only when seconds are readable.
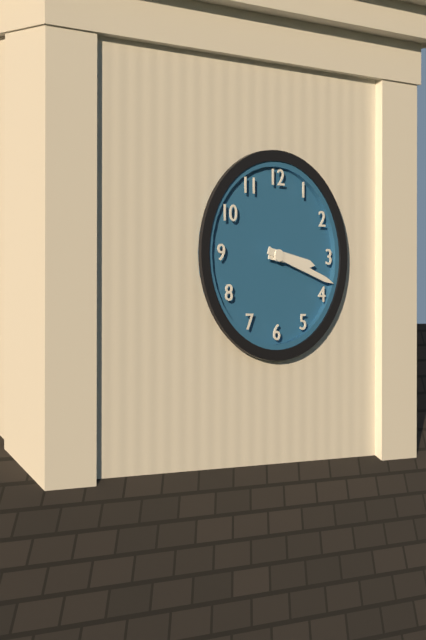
h=3 m=18
